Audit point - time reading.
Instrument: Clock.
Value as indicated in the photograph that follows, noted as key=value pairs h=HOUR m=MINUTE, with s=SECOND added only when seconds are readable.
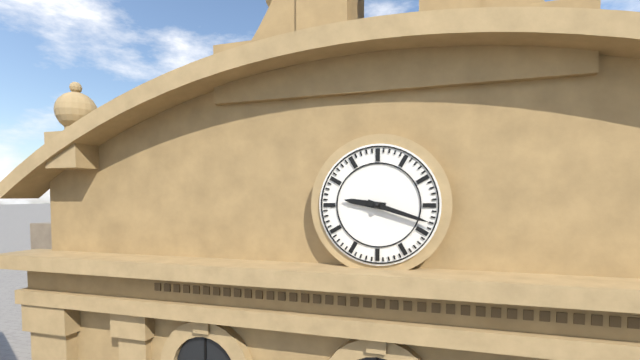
h=9 m=18
